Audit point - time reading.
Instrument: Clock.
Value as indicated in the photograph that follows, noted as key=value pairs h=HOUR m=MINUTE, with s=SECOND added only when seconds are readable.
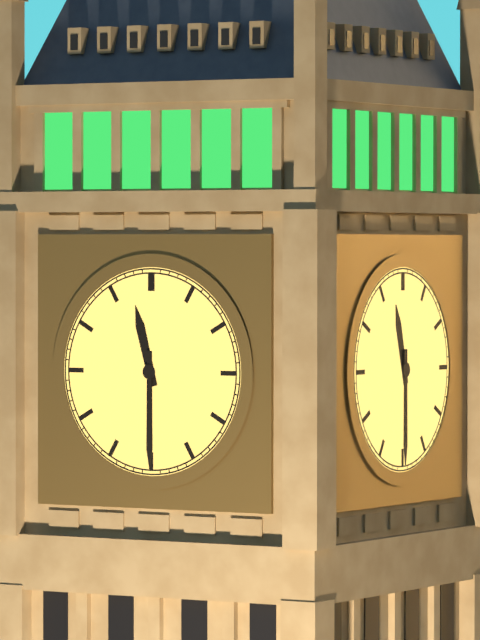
h=11 m=30
